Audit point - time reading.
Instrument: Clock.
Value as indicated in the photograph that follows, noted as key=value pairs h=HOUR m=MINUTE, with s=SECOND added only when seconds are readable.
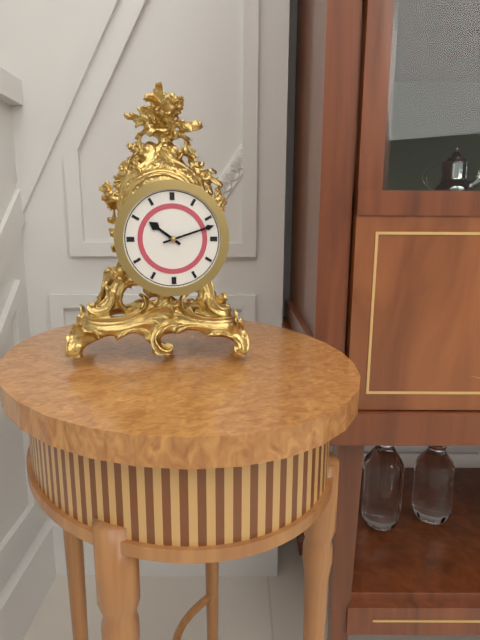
h=10 m=12
